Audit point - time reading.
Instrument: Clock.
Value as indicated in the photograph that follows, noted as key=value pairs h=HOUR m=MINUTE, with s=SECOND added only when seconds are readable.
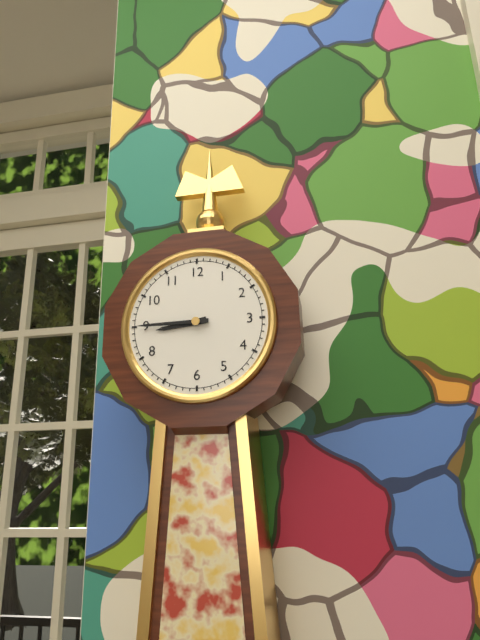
h=8 m=45
